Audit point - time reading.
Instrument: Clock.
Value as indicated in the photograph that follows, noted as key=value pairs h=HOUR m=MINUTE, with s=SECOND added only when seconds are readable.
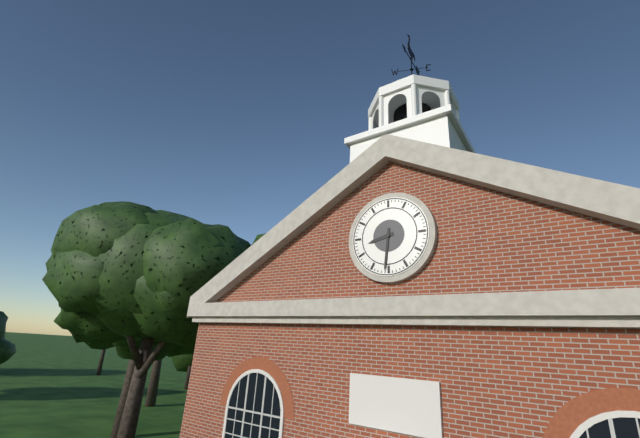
h=8 m=31
